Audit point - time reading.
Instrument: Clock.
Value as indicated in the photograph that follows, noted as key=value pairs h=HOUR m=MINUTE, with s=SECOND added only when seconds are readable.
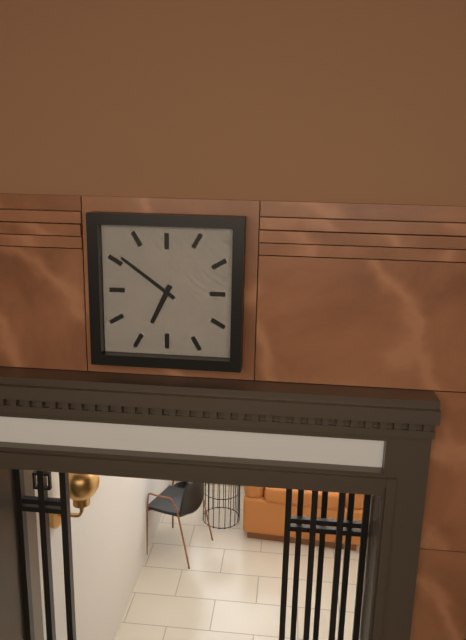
h=6 m=51
